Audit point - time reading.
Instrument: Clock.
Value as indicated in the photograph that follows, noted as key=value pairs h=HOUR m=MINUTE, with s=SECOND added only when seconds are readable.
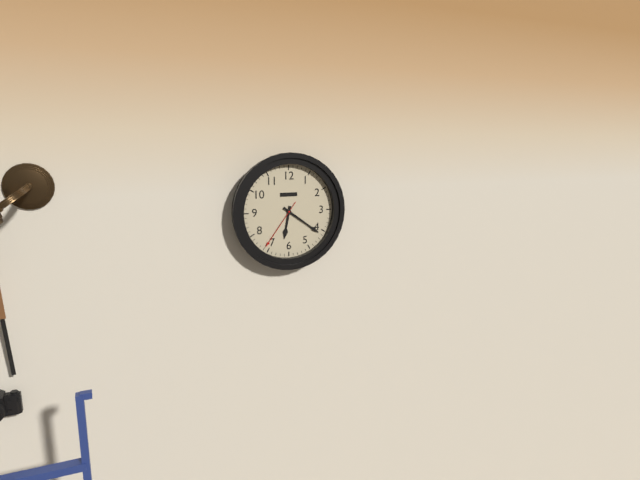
h=6 m=21 s=36
